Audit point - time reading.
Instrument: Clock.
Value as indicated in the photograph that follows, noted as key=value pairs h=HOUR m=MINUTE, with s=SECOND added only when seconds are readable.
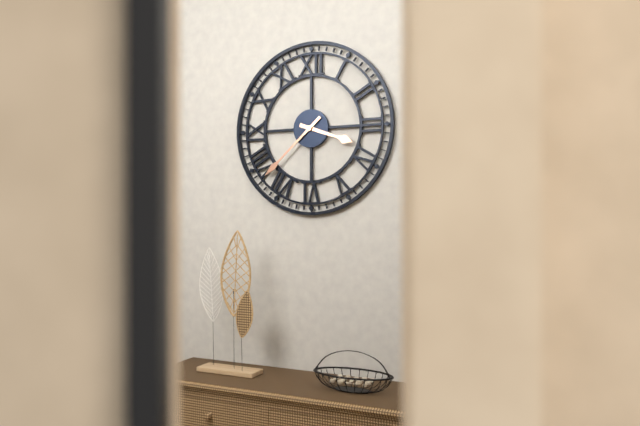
h=3 m=38
